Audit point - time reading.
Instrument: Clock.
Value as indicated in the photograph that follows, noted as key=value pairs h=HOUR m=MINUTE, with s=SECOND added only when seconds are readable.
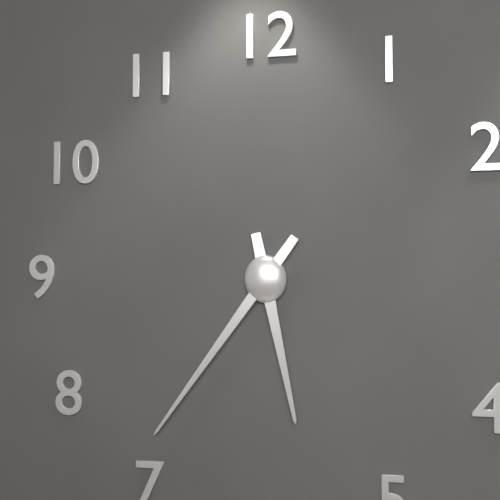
h=5 m=36
